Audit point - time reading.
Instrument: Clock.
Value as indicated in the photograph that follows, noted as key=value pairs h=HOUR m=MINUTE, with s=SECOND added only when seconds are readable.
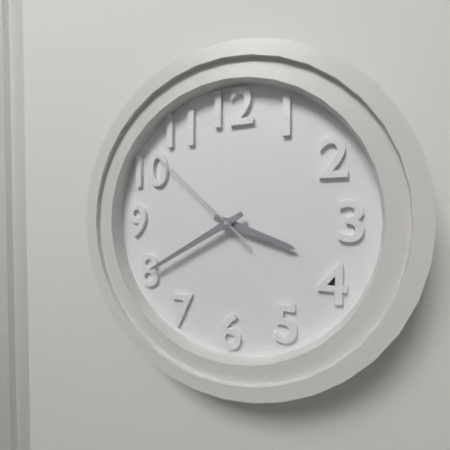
h=3 m=40 s=52
